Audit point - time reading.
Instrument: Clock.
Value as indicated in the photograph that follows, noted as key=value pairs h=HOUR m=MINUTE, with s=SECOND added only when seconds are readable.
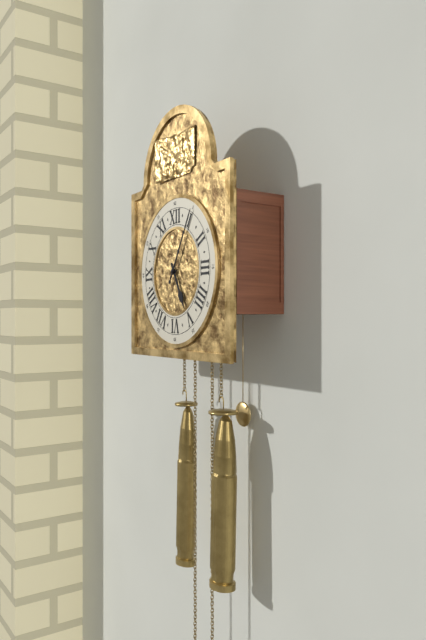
h=5 m=5
